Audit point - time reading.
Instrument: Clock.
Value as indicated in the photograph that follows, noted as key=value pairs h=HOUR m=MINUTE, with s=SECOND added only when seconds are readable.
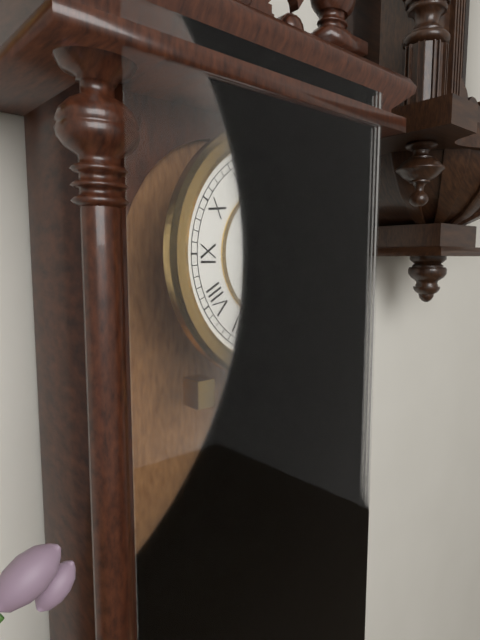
h=1 m=17
